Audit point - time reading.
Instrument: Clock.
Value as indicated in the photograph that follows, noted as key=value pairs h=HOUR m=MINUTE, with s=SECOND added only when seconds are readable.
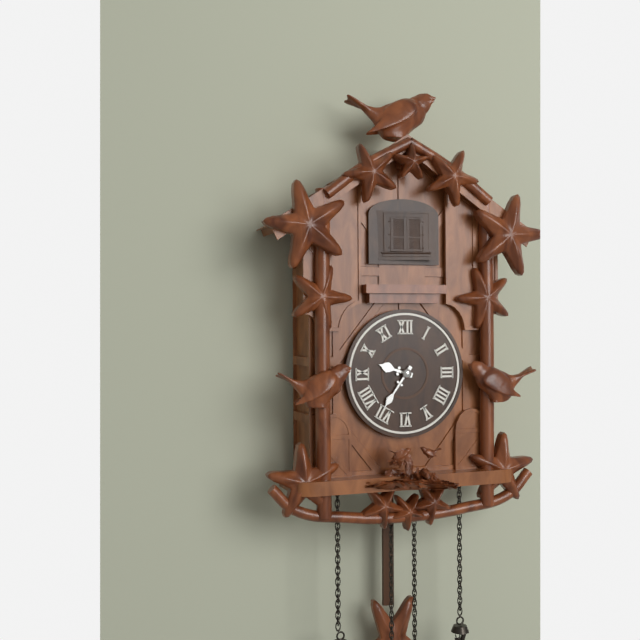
h=9 m=36
